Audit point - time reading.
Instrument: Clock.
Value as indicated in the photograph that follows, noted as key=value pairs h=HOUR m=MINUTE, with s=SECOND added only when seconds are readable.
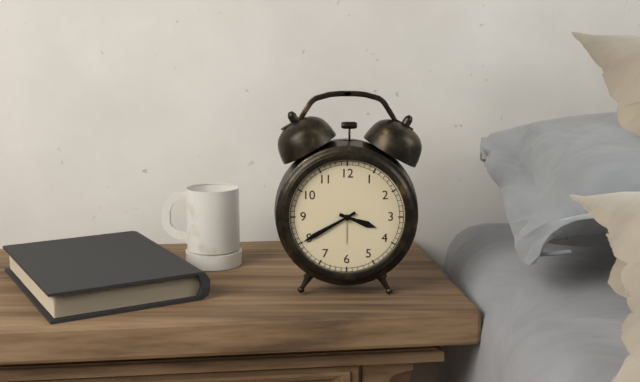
h=3 m=40
